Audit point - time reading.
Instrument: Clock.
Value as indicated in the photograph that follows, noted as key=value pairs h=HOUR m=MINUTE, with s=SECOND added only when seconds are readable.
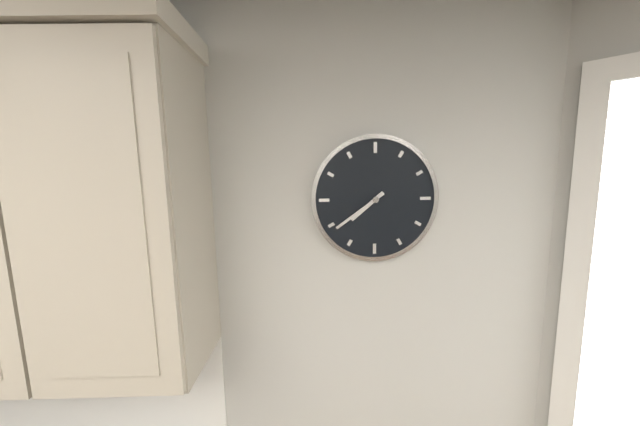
h=7 m=39
